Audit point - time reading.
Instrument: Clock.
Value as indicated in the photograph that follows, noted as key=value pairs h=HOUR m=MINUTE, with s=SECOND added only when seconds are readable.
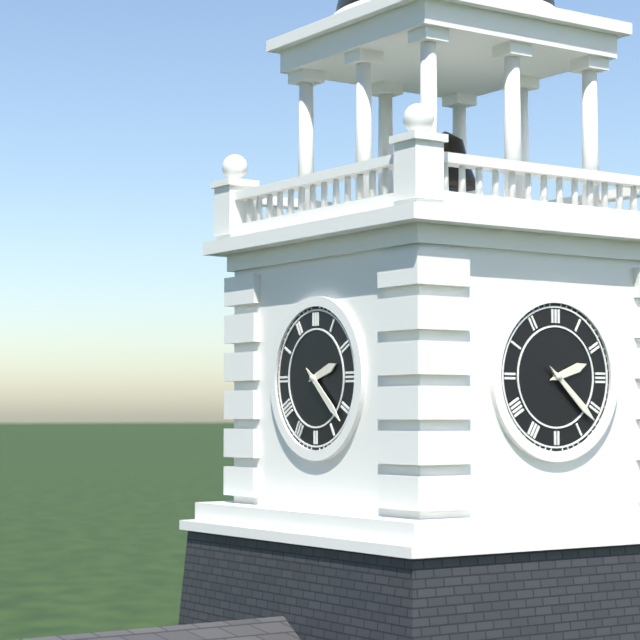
h=2 m=22
